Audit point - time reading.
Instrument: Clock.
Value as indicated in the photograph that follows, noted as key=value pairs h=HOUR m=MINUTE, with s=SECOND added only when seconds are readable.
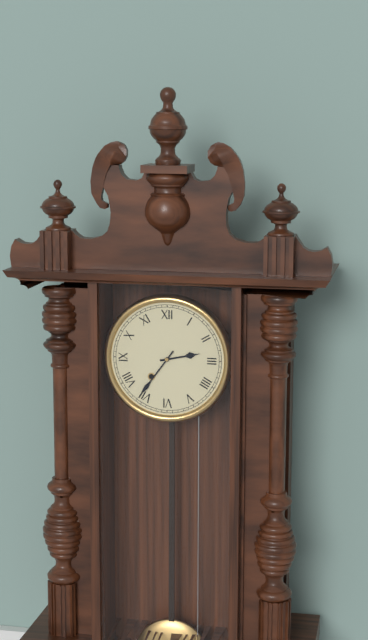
h=2 m=36
